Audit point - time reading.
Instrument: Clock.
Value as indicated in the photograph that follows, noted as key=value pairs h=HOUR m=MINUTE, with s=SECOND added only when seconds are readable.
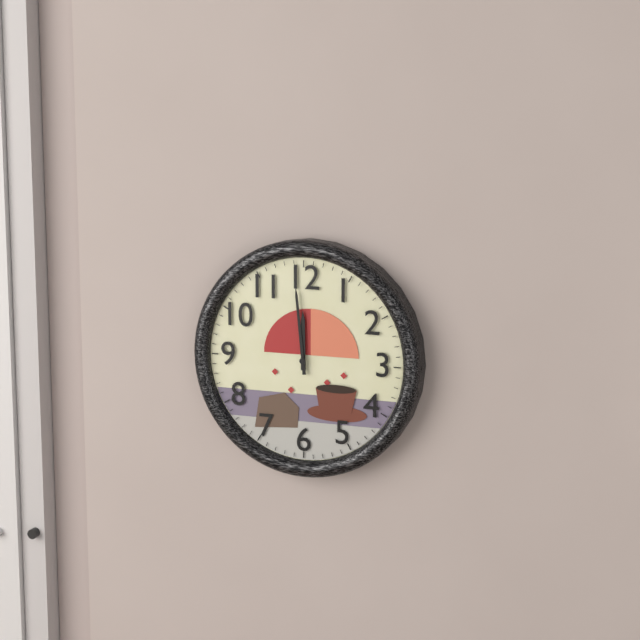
h=11 m=59
